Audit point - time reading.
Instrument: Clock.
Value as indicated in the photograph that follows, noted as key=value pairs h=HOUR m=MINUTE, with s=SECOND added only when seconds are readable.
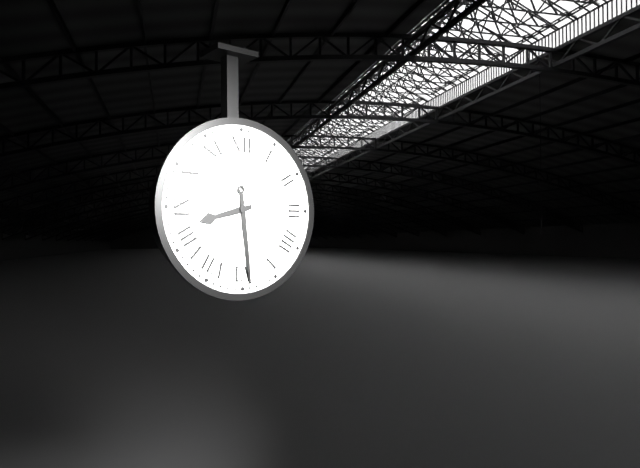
h=8 m=29
